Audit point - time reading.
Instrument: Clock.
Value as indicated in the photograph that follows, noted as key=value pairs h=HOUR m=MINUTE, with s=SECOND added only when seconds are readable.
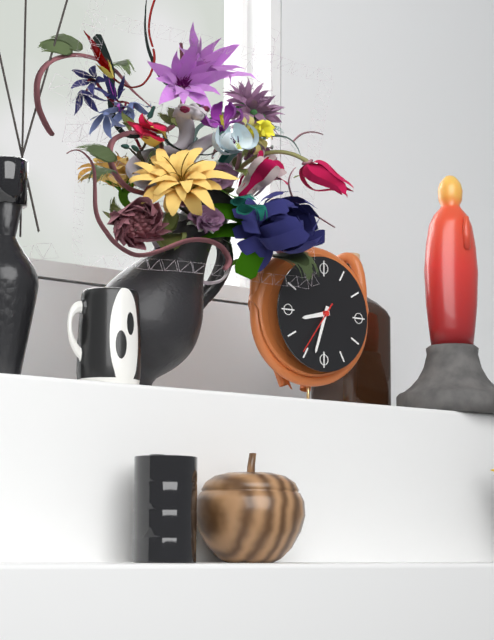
h=8 m=33
